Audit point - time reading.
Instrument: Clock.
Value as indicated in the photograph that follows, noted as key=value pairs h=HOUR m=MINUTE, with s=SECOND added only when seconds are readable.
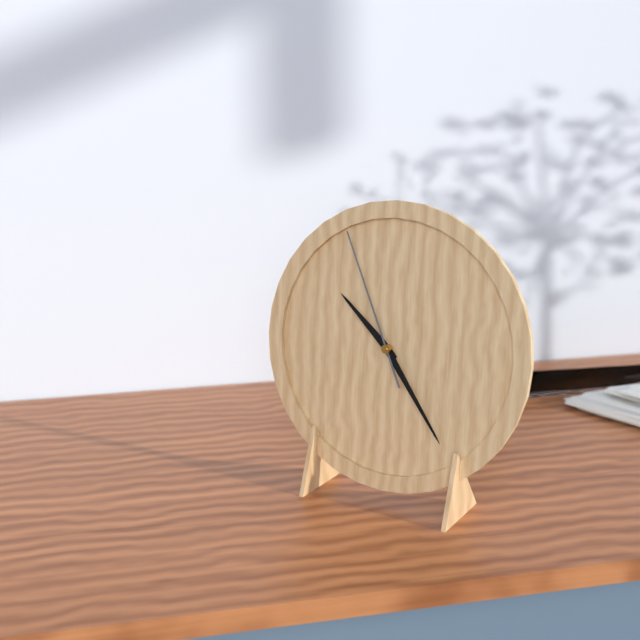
h=10 m=24 s=56
